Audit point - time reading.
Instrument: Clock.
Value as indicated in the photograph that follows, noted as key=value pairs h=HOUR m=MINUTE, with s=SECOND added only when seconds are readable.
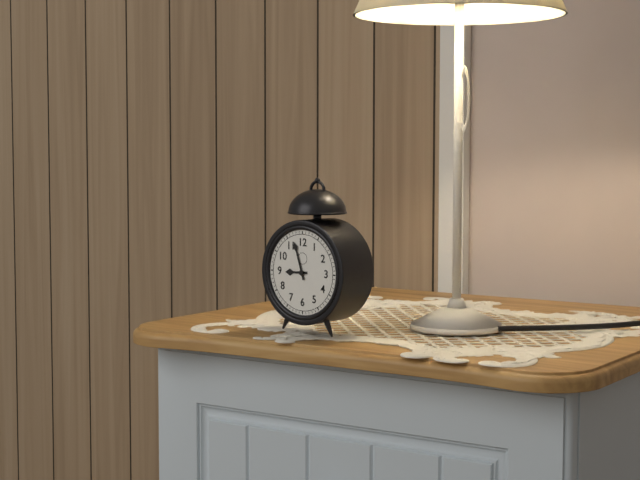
h=8 m=57
